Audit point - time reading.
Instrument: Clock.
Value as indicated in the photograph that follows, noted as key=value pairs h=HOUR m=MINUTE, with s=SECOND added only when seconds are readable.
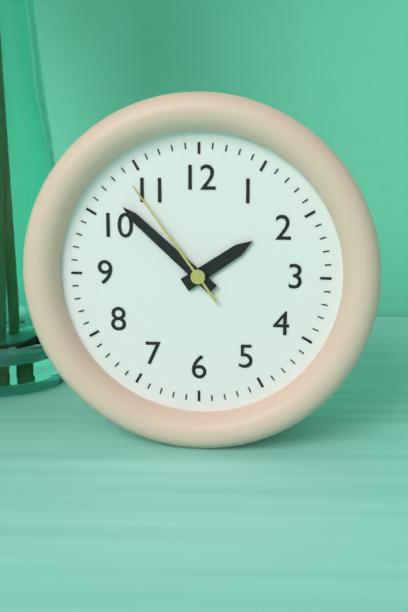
h=1 m=52 s=54
